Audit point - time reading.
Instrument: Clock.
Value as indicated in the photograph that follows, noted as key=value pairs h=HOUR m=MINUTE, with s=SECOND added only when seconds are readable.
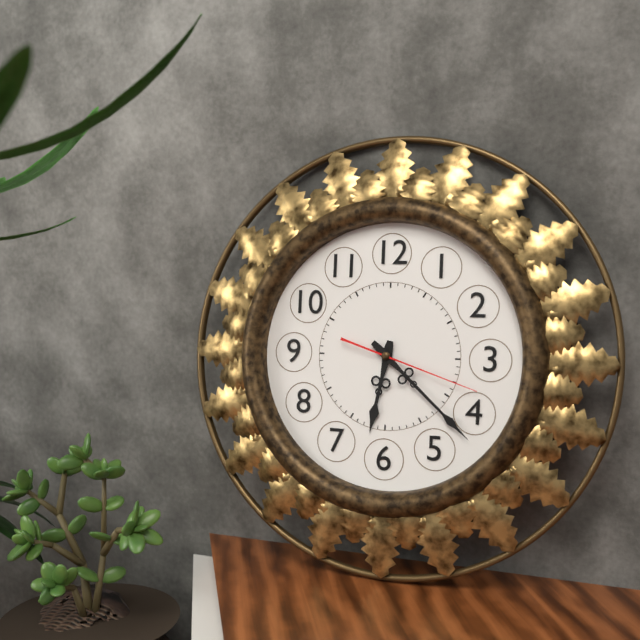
h=6 m=22 s=18
